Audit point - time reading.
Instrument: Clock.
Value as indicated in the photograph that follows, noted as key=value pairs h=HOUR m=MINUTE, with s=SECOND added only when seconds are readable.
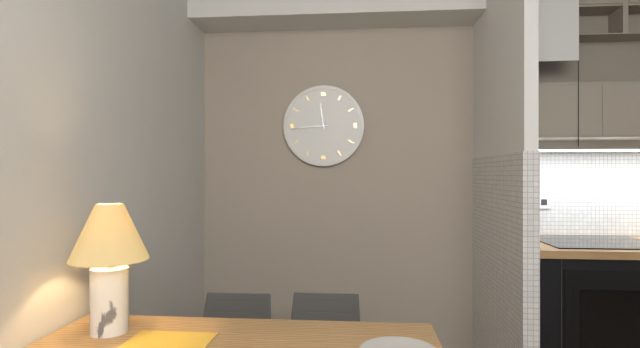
h=11 m=44
